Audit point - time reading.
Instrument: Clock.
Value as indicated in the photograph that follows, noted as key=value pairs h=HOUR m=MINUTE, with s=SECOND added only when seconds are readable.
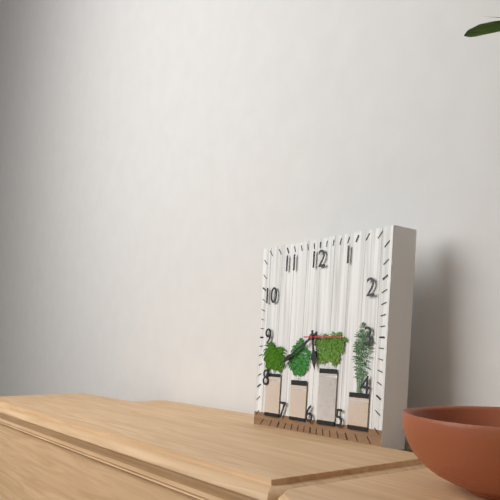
h=5 m=40
